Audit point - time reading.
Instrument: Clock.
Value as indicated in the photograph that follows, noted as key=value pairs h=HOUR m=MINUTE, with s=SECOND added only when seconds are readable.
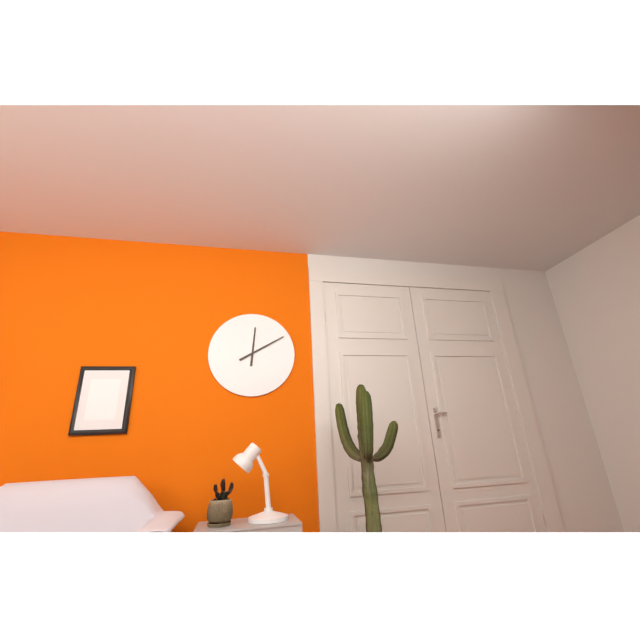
h=12 m=10
